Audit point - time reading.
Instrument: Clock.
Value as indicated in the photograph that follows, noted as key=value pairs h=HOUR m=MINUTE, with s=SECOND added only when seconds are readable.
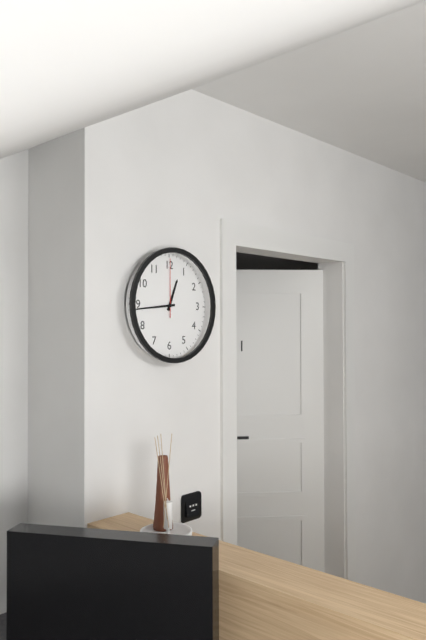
h=12 m=44 s=0
